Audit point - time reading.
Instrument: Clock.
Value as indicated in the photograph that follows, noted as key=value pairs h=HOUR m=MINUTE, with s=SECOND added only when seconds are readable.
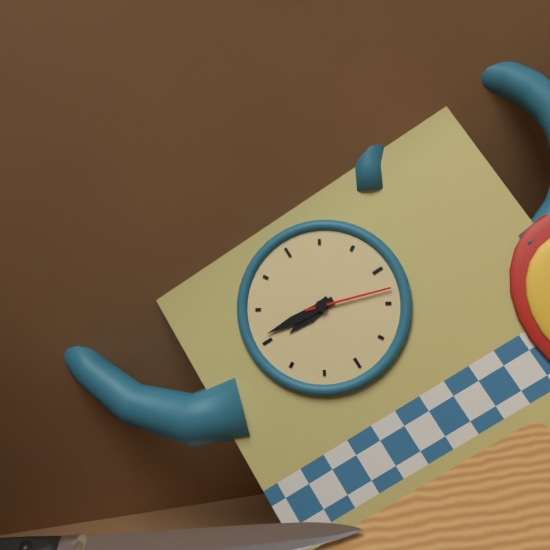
h=8 m=46 s=18
